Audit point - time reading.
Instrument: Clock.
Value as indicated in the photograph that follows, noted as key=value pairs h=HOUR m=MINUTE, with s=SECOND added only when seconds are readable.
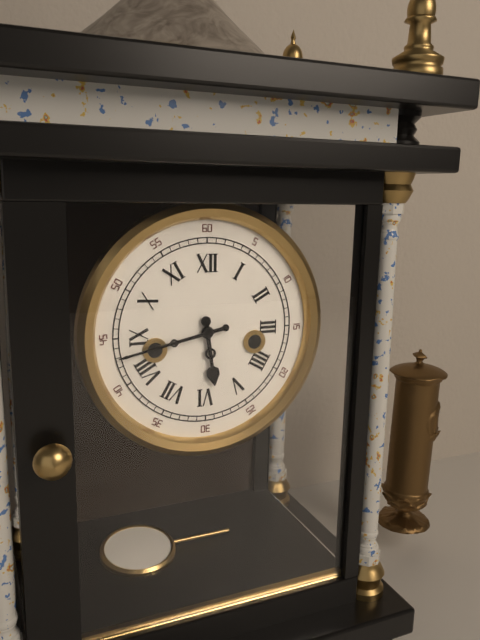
h=5 m=43
